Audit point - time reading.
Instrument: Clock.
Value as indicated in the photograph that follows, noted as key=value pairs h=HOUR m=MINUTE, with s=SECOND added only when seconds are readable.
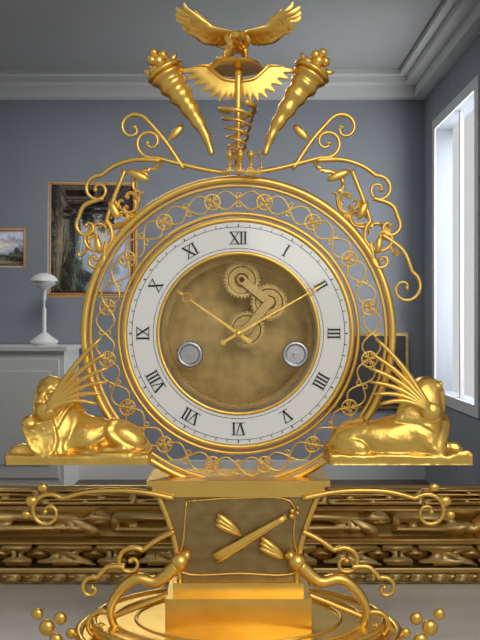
h=10 m=10
